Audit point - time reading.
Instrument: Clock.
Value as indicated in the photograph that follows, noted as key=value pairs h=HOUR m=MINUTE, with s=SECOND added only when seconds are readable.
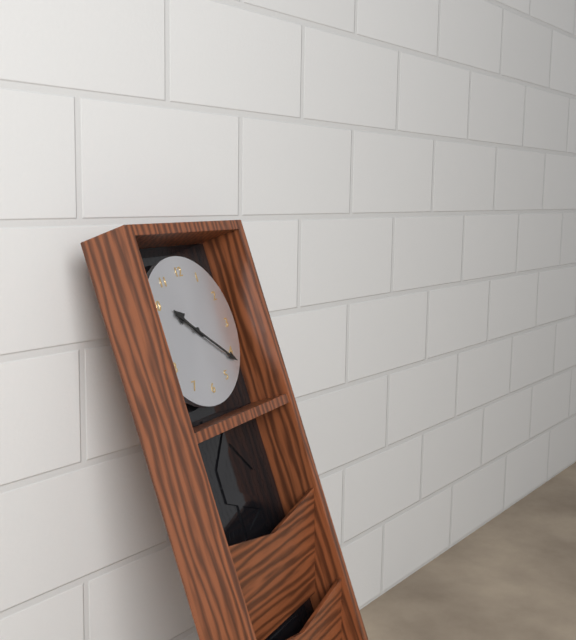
h=10 m=21
